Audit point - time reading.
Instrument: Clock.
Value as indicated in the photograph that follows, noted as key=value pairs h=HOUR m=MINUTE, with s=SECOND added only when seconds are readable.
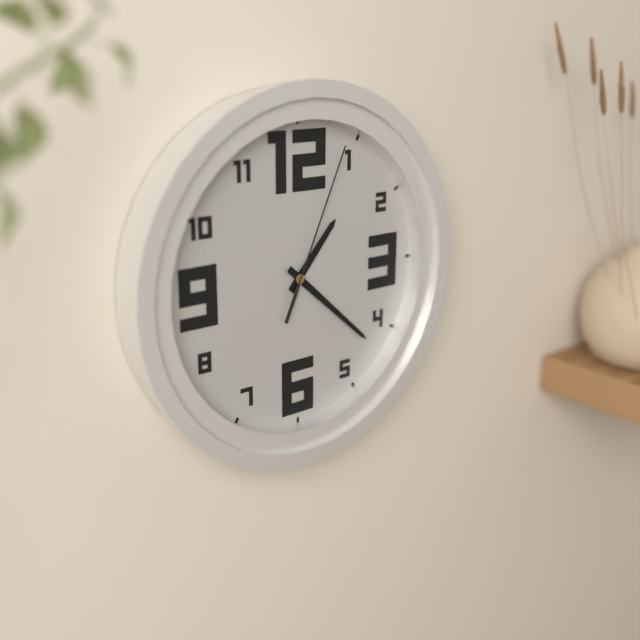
h=1 m=22 s=4
